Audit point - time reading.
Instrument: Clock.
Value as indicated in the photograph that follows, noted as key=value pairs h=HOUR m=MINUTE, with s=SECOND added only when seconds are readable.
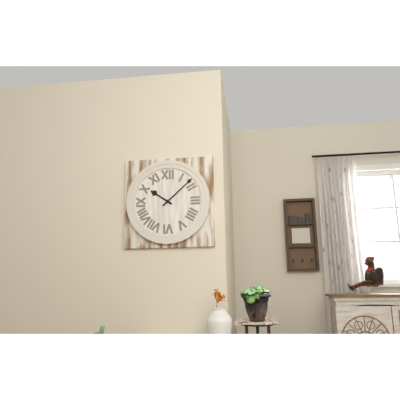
h=10 m=8
